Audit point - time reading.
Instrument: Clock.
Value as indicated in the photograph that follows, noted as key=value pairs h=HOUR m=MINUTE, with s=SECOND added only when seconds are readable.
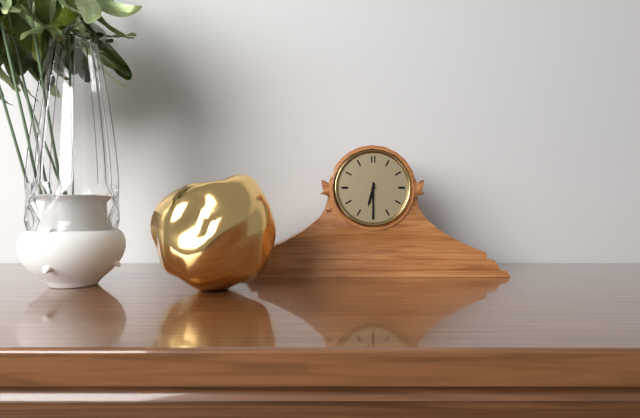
h=6 m=30
